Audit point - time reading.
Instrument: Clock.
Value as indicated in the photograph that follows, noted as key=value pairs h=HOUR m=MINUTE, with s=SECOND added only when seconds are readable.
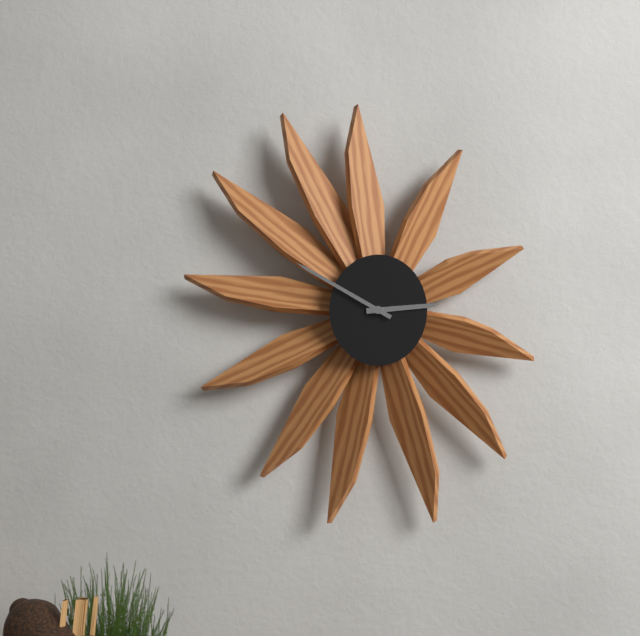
h=2 m=50
